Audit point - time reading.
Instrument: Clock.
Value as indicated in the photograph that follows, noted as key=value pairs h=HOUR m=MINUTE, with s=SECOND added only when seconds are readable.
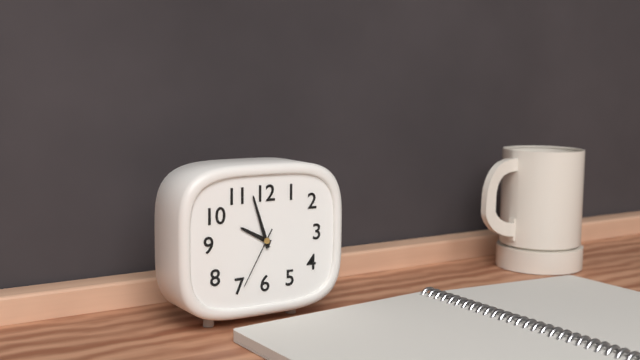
h=9 m=57 s=35
